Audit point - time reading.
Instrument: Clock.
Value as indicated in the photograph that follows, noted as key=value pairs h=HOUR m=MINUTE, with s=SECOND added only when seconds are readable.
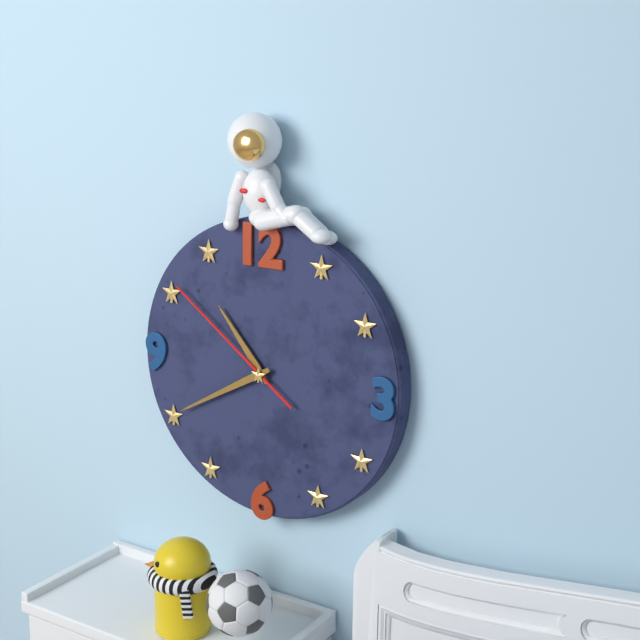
h=10 m=40 s=51
